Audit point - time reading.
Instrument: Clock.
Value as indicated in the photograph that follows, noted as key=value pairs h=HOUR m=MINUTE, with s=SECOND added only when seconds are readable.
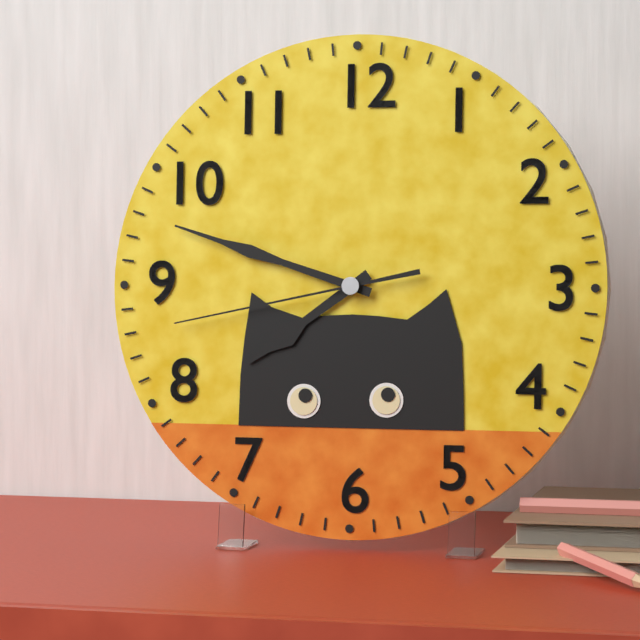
h=7 m=48 s=43
